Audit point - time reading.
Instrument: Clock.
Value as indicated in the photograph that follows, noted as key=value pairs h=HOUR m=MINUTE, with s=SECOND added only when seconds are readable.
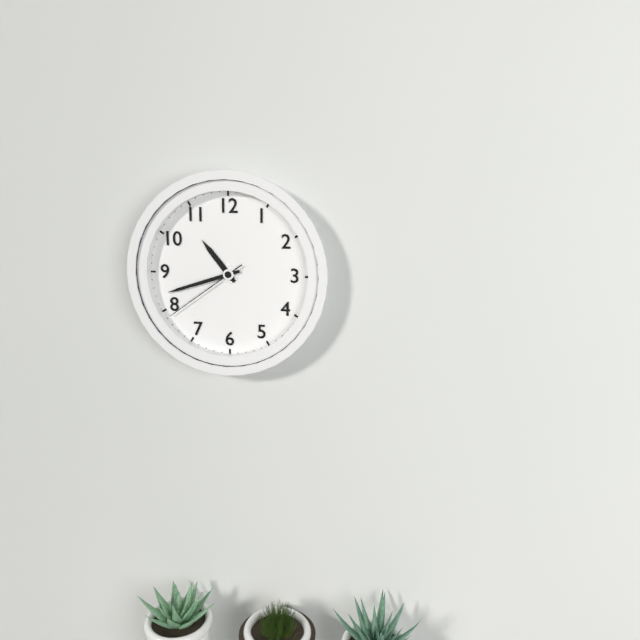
h=10 m=42 s=39
